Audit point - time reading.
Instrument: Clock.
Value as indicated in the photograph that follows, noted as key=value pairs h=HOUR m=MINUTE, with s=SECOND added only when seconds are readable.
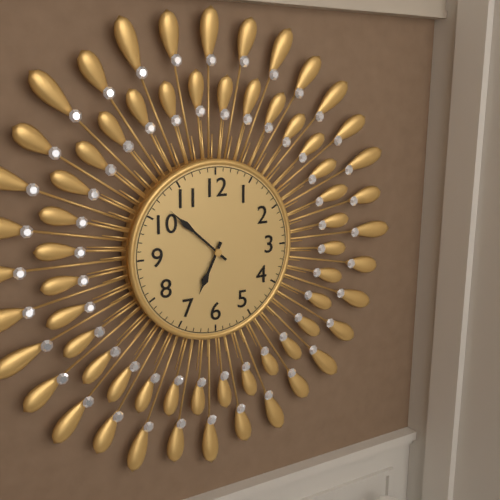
h=6 m=52
